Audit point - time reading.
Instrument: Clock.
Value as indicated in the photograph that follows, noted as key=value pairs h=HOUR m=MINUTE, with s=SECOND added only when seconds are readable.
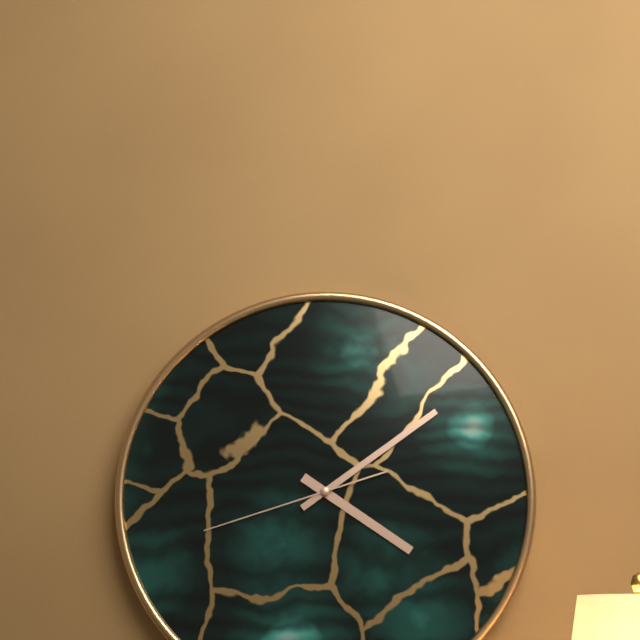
h=4 m=9 s=42
